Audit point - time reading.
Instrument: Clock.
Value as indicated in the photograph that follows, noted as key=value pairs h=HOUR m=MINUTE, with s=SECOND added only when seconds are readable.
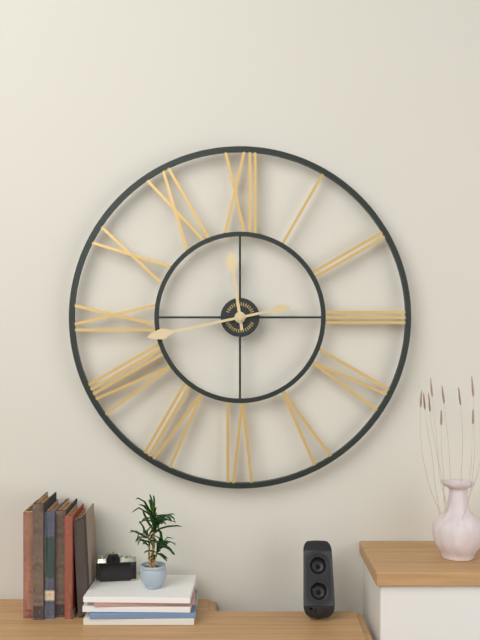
h=11 m=43
